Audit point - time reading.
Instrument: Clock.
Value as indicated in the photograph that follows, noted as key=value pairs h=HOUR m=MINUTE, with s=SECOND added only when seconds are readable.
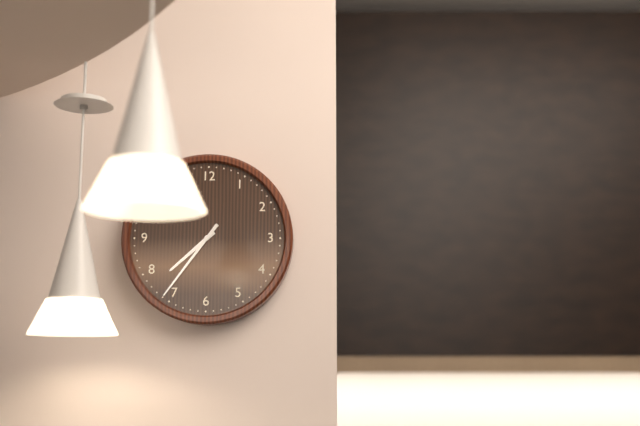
h=7 m=36
